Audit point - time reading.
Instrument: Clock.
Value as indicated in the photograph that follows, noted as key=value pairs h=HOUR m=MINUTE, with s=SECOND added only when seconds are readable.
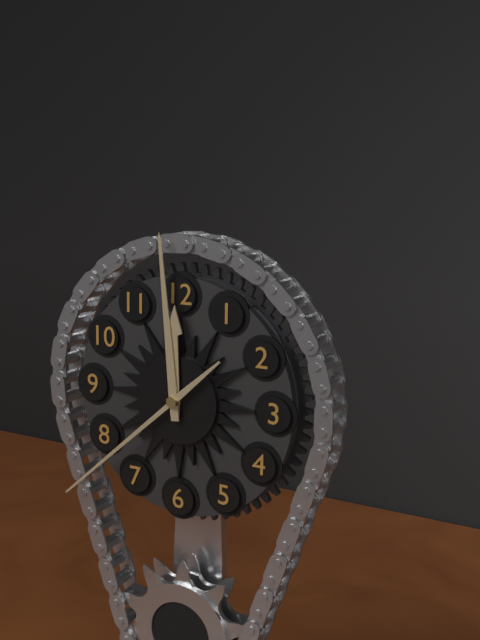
h=11 m=59 s=38
